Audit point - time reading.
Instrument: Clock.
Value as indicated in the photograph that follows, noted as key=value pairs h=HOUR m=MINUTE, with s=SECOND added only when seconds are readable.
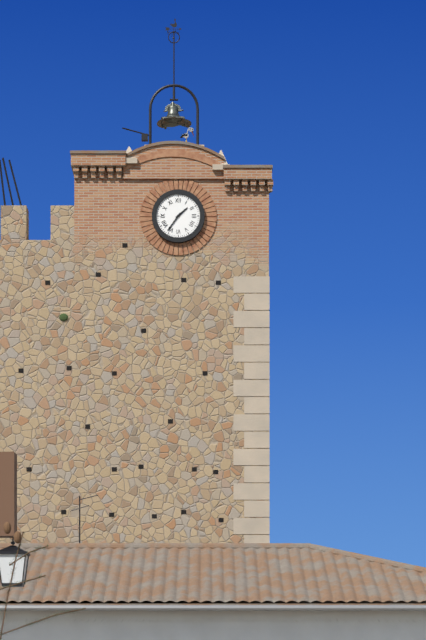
h=1 m=36
